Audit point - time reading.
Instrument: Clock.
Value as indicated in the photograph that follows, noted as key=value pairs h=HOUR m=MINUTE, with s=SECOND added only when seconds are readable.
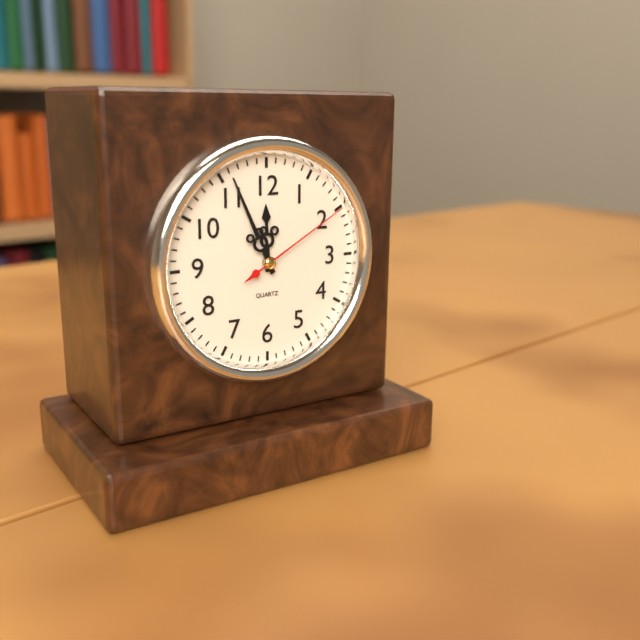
h=11 m=56 s=10
